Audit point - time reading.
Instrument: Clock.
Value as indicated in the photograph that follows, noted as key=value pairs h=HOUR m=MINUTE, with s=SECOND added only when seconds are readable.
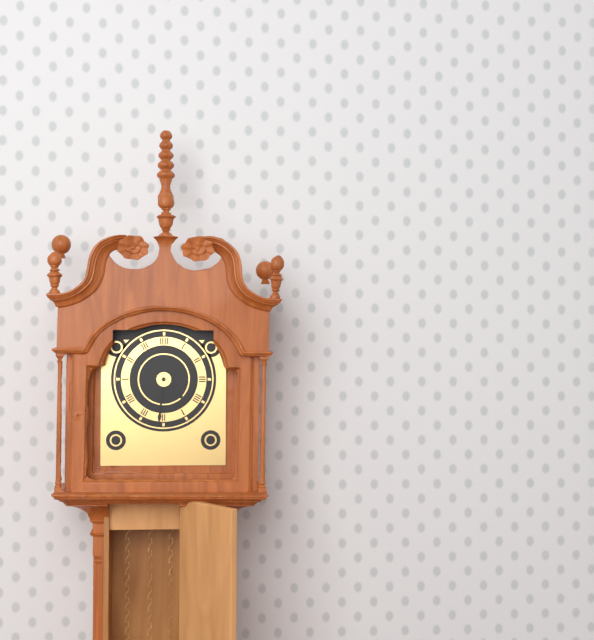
h=4 m=31
